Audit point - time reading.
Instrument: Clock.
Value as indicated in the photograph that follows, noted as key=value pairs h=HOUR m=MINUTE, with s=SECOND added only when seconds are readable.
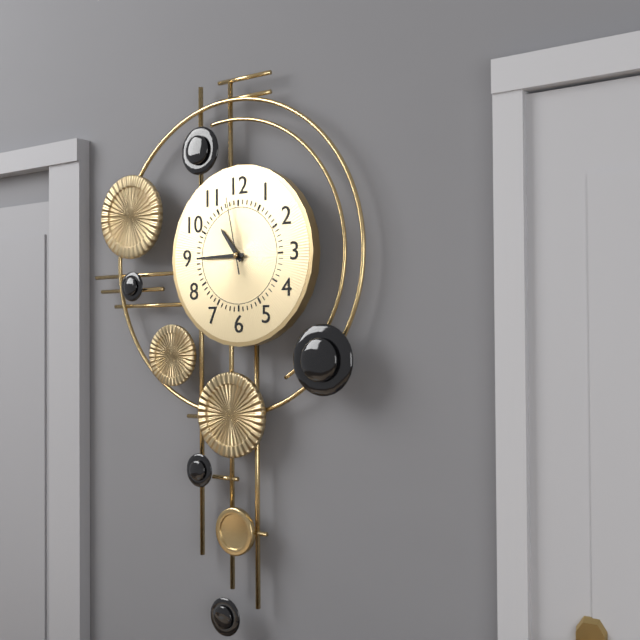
h=10 m=45 s=58
